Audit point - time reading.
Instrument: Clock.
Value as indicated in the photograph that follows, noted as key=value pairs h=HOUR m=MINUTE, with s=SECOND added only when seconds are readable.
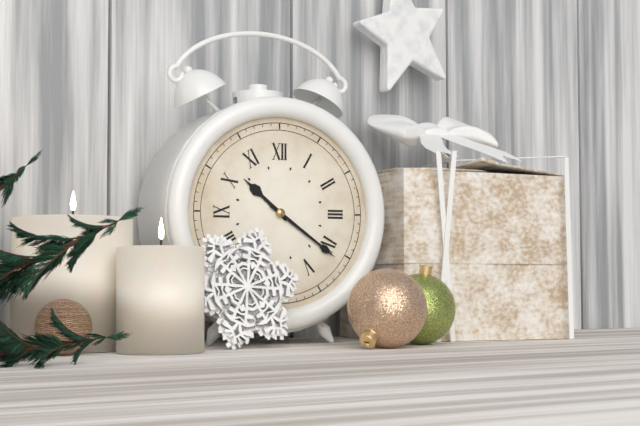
h=10 m=21
